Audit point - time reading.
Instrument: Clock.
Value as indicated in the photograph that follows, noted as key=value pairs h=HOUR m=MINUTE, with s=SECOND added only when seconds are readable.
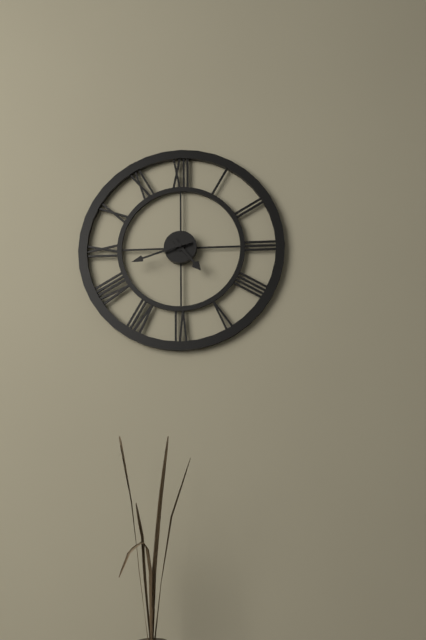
h=4 m=42
